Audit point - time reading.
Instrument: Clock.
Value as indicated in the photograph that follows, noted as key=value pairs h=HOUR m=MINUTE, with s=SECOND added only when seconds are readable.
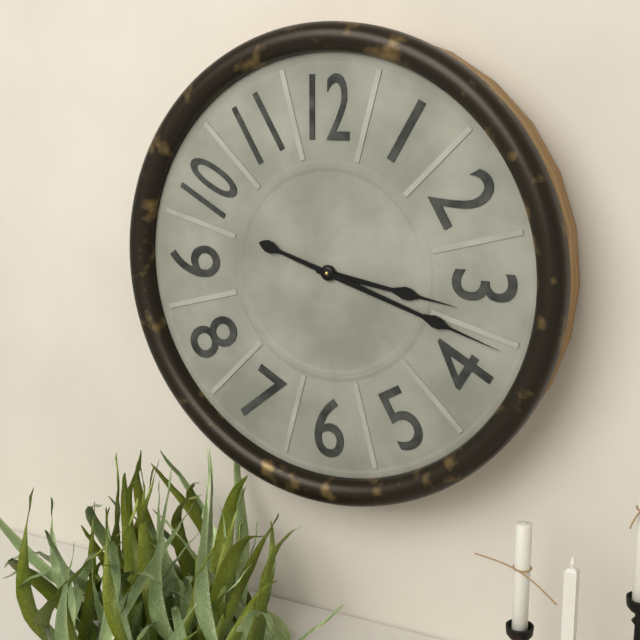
h=3 m=18
